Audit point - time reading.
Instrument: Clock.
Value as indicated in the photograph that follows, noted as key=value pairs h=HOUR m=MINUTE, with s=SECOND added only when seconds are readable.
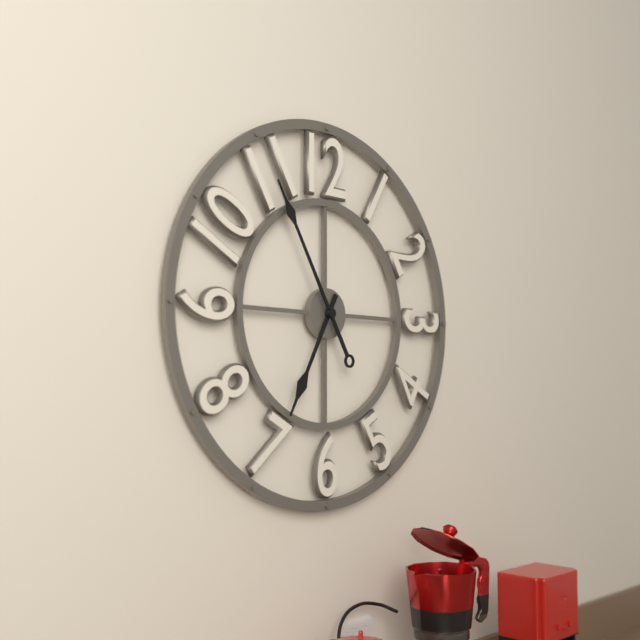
h=6 m=55
